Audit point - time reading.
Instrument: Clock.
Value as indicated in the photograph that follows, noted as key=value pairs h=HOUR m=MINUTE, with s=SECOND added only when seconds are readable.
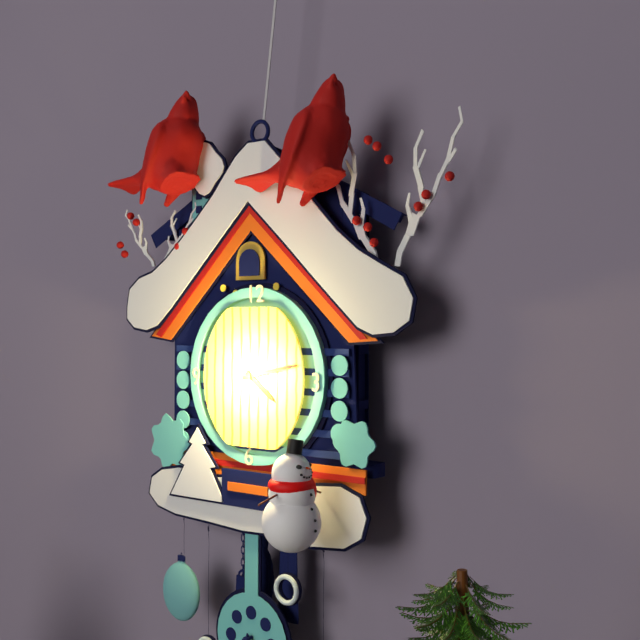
h=4 m=13
